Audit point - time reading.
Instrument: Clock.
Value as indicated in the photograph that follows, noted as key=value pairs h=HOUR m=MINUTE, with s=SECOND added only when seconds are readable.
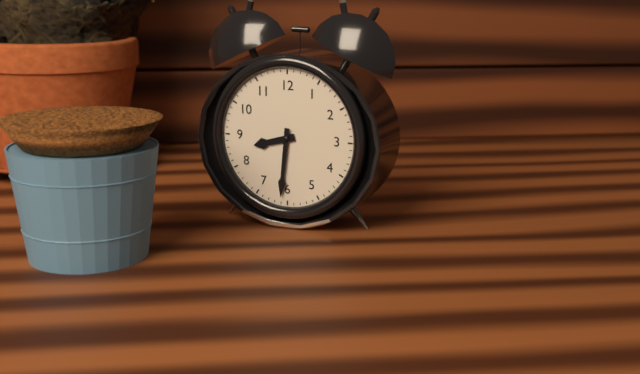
h=8 m=31
